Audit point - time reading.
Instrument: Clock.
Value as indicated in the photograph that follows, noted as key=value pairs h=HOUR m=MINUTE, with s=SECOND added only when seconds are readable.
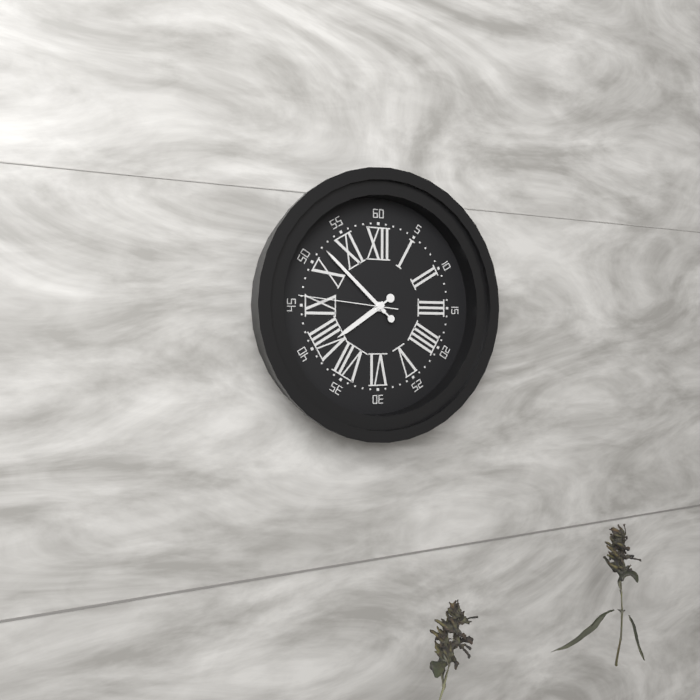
h=7 m=52 s=46
